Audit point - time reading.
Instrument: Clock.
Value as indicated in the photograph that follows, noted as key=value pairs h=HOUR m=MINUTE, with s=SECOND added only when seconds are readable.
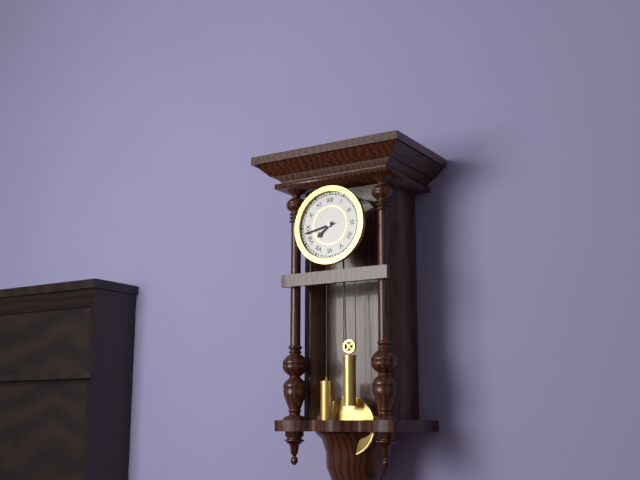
h=7 m=43
